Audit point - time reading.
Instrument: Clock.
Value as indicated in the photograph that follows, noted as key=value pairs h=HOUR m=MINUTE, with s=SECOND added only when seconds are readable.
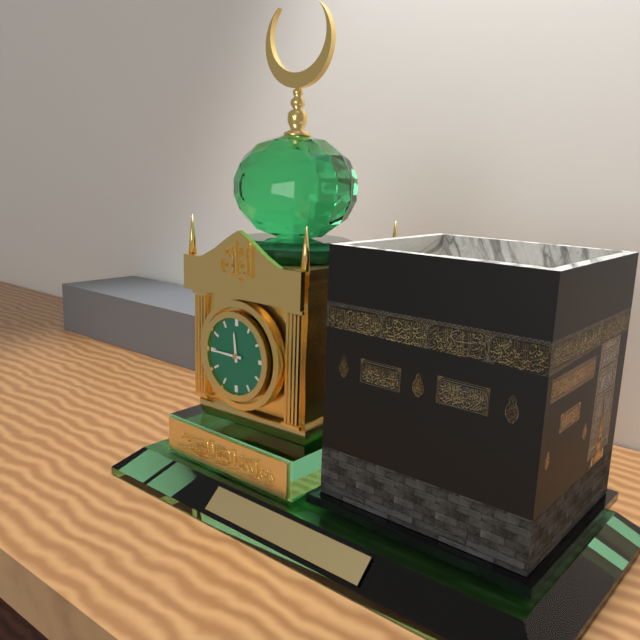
h=11 m=45
